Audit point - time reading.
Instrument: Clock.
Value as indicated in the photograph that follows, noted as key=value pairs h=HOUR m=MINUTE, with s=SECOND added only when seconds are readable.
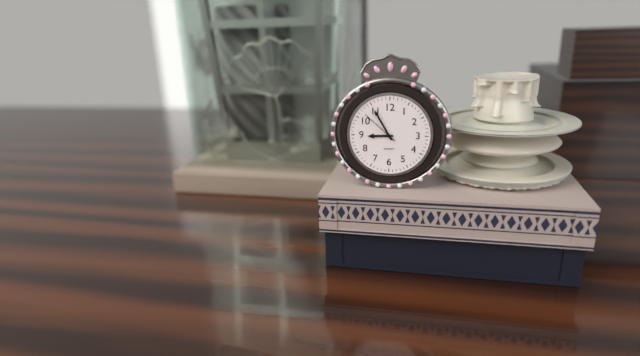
h=8 m=55
